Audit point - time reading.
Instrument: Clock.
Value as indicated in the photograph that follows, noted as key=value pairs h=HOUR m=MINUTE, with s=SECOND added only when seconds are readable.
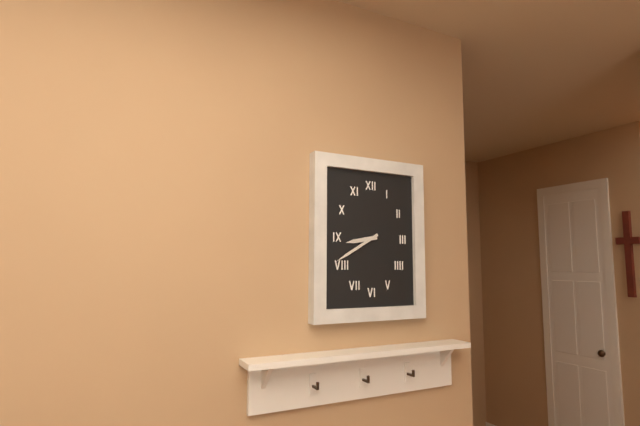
h=8 m=40
